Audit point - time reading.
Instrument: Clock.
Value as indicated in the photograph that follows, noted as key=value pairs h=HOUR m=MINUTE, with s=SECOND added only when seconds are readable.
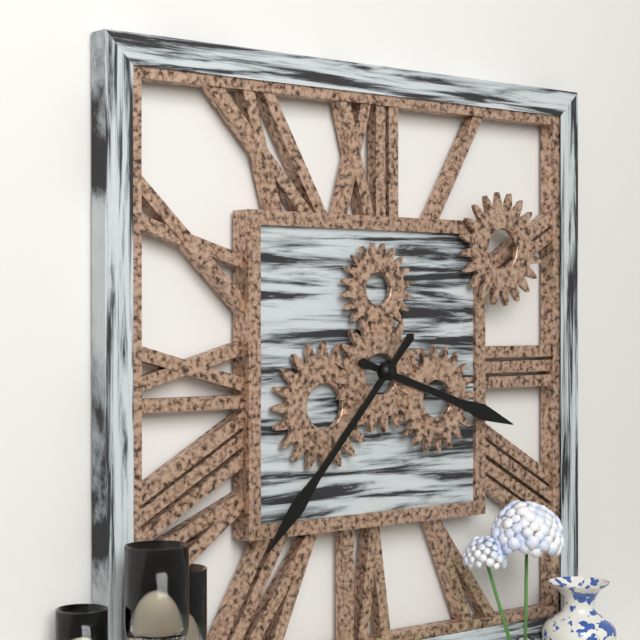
h=3 m=37
